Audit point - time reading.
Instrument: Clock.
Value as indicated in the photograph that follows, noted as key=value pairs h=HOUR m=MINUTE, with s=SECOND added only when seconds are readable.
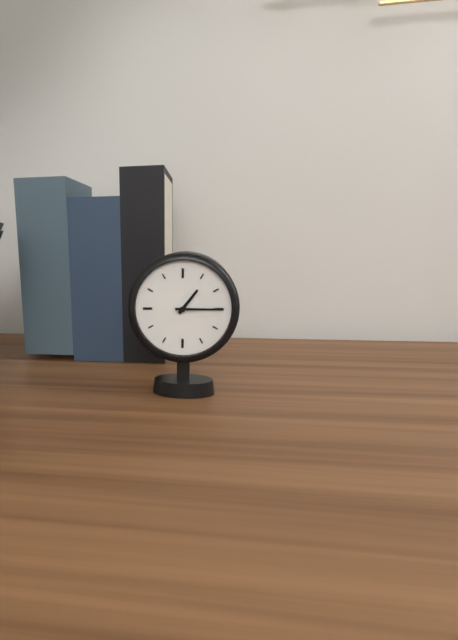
h=1 m=15
